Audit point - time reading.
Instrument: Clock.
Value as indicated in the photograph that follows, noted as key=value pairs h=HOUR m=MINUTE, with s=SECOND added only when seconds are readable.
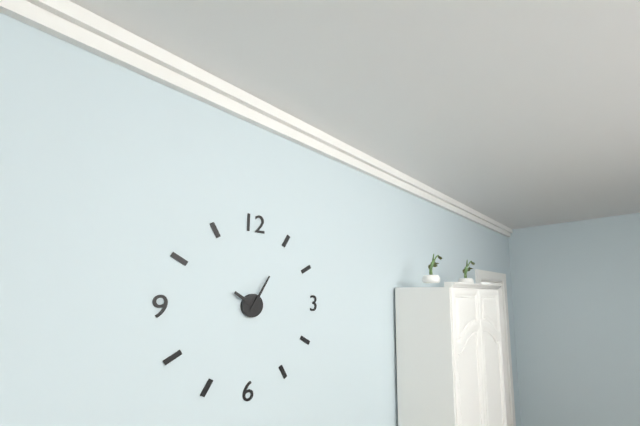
h=10 m=5
